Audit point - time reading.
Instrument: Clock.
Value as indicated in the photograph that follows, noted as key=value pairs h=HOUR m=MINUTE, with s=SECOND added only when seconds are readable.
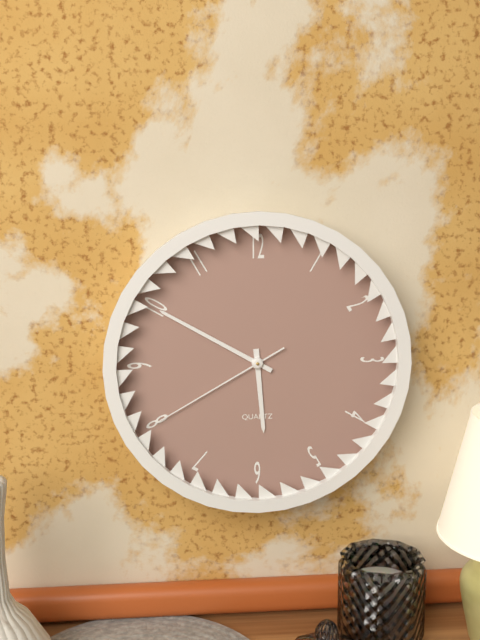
h=5 m=50 s=40
